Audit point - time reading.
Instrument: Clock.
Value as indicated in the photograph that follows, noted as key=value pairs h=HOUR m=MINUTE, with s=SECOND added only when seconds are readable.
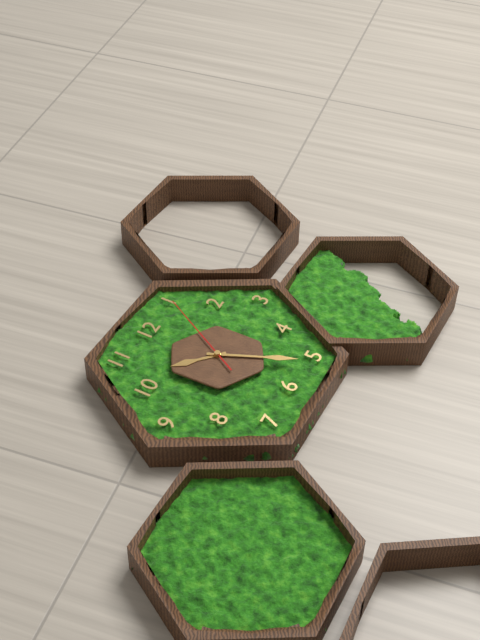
h=10 m=26 s=5
